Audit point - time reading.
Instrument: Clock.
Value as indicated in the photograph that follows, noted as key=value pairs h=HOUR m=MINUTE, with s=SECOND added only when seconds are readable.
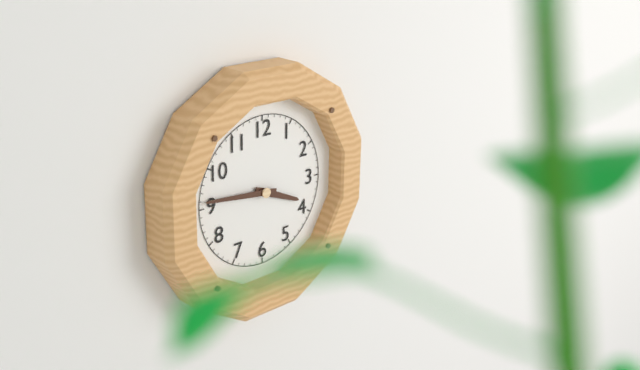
h=3 m=46
